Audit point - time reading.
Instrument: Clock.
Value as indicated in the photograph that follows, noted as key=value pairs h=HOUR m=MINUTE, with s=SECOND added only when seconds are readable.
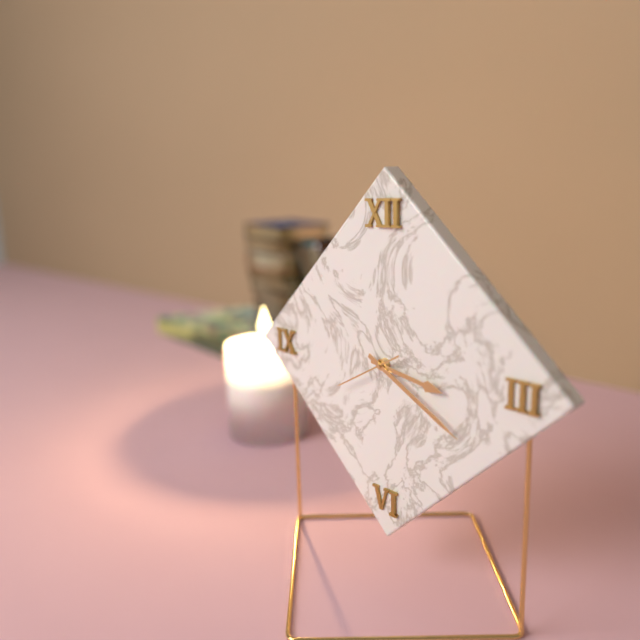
h=3 m=20 s=40
